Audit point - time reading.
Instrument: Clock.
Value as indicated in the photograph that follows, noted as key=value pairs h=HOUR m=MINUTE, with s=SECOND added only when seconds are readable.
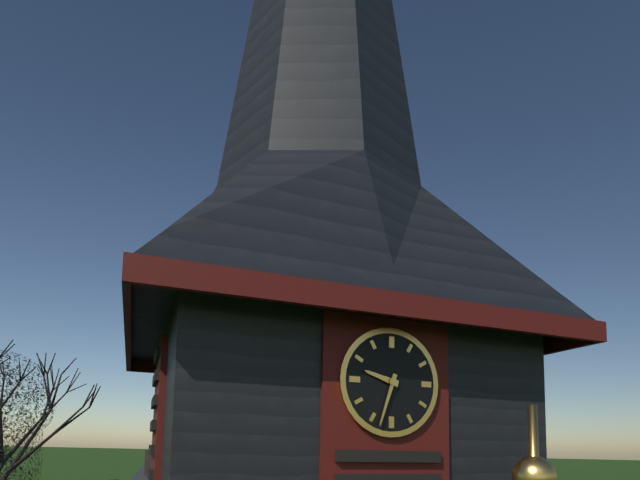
h=9 m=33
